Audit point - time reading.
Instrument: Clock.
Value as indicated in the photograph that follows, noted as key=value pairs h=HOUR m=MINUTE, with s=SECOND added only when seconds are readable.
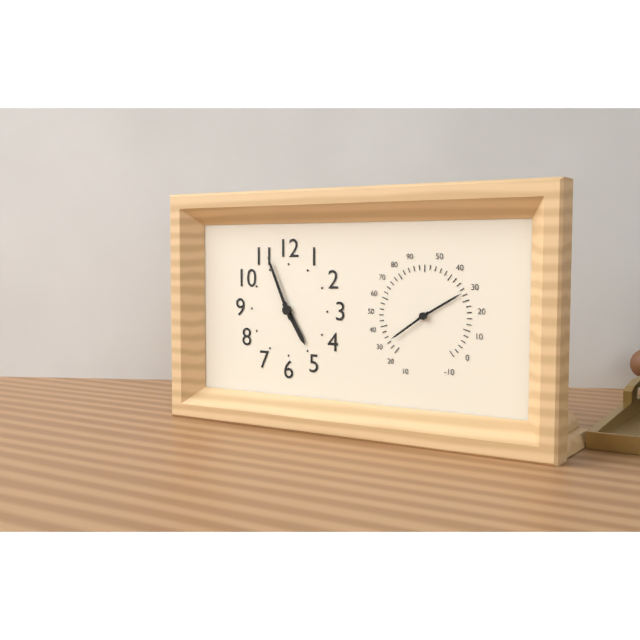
h=4 m=56
